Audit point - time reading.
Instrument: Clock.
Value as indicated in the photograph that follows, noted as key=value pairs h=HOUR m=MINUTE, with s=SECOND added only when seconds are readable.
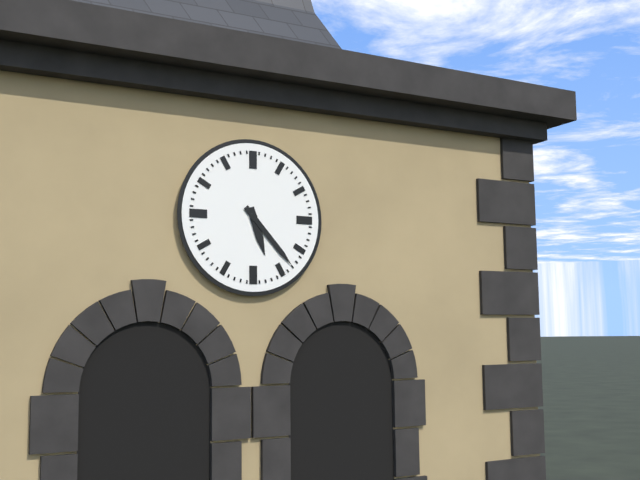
h=5 m=23
